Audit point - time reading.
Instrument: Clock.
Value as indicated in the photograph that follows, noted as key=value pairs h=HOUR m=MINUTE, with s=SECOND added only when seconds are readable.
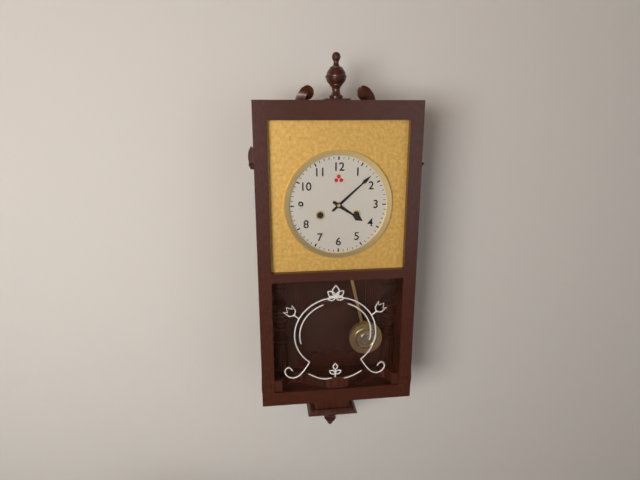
h=4 m=8
